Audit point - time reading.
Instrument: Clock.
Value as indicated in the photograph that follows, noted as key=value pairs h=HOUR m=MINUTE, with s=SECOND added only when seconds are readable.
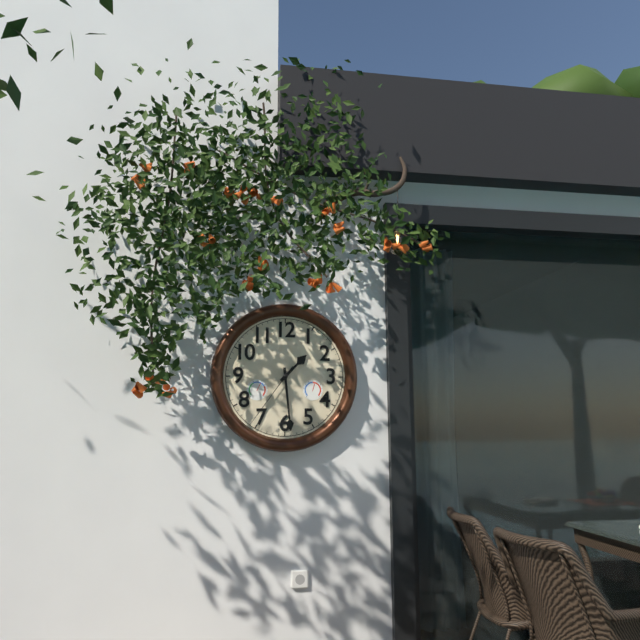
h=1 m=29 s=36
